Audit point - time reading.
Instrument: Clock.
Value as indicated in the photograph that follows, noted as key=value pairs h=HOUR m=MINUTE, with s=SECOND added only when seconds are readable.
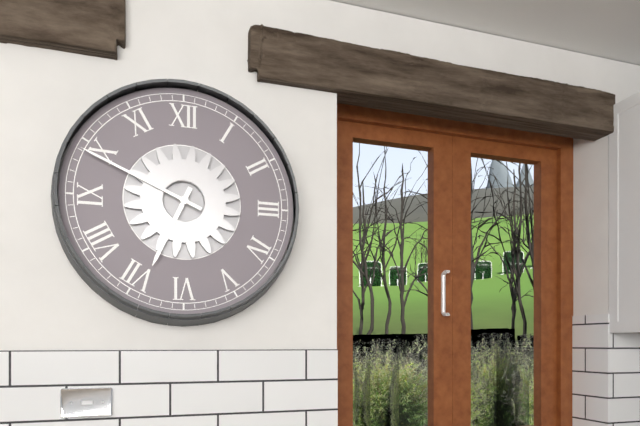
h=6 m=49
